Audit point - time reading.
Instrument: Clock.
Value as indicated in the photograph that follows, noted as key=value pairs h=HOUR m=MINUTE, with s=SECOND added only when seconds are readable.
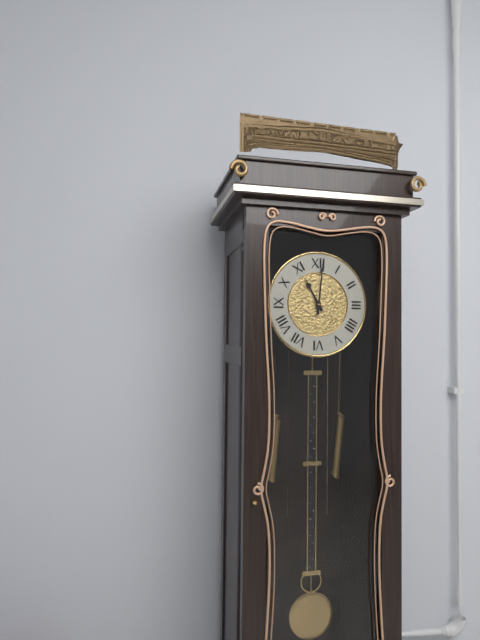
h=11 m=1
